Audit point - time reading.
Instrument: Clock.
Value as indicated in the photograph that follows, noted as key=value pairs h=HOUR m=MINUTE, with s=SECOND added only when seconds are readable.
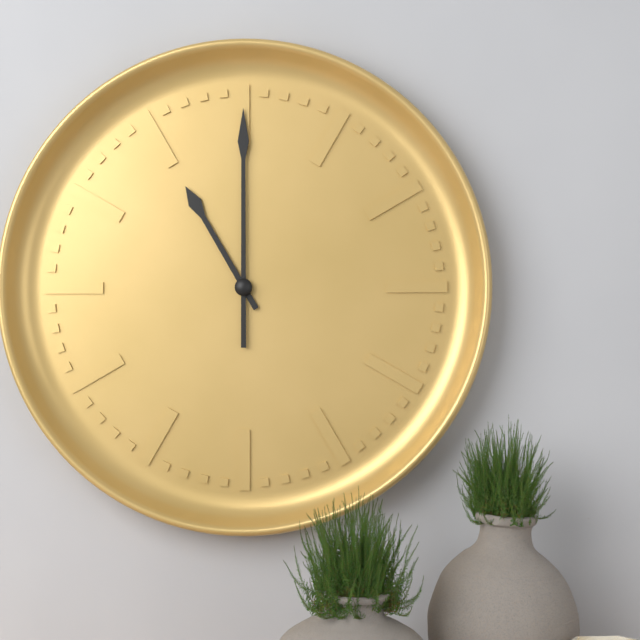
h=11 m=0
